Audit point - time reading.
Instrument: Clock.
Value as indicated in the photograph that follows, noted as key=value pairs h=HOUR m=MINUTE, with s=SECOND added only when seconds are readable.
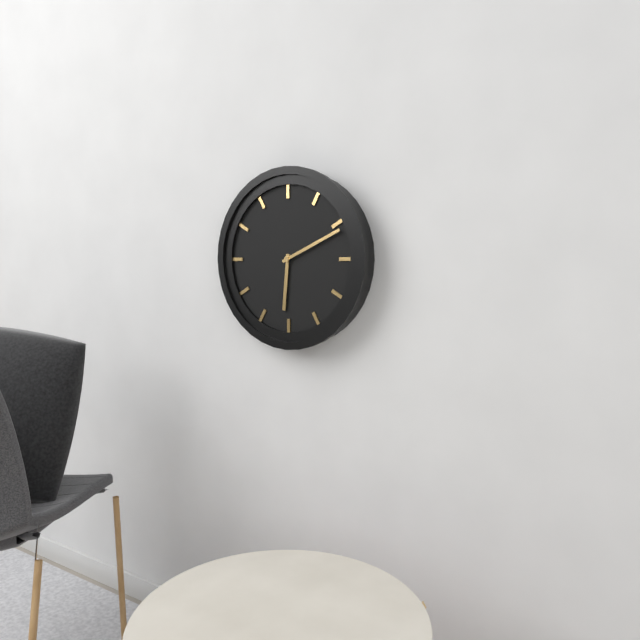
h=6 m=11
